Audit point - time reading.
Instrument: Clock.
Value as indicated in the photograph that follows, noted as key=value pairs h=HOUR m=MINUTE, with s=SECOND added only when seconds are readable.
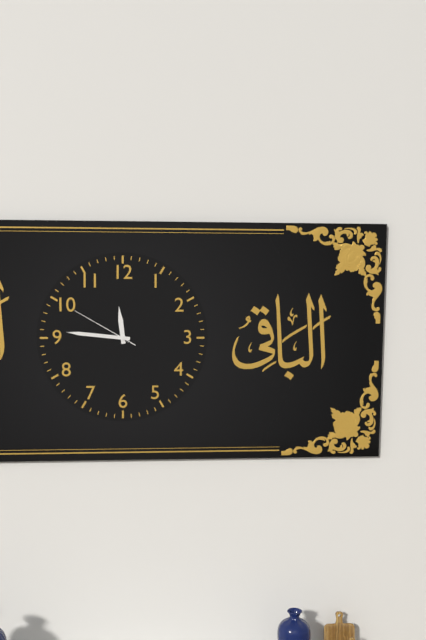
h=11 m=46 s=50
